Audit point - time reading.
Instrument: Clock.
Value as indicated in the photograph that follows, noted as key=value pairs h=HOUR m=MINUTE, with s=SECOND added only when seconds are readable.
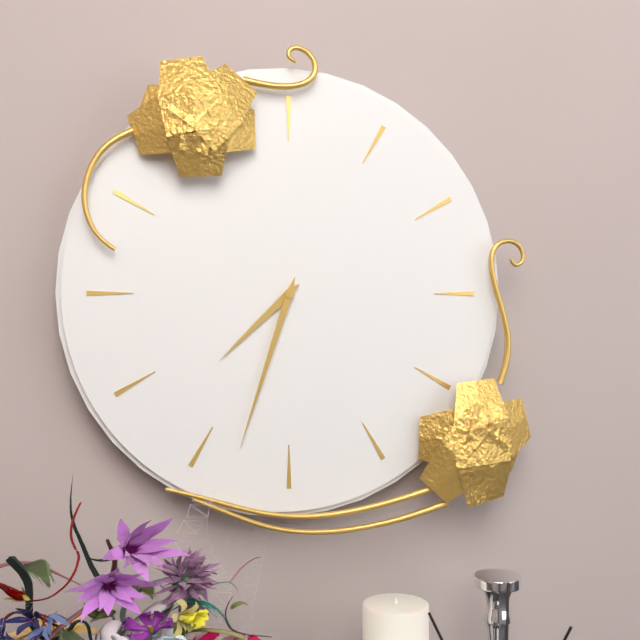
h=7 m=33
